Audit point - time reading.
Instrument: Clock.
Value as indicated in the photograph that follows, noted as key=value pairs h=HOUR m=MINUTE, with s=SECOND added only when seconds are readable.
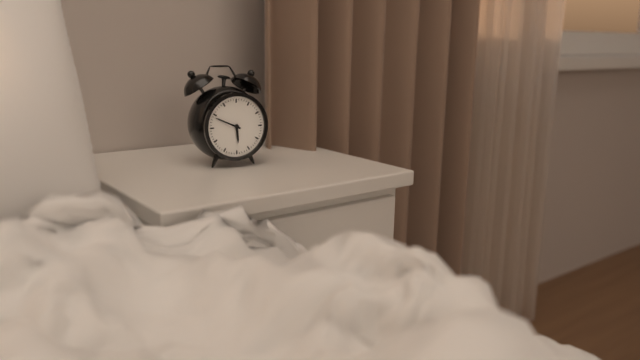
h=5 m=49
